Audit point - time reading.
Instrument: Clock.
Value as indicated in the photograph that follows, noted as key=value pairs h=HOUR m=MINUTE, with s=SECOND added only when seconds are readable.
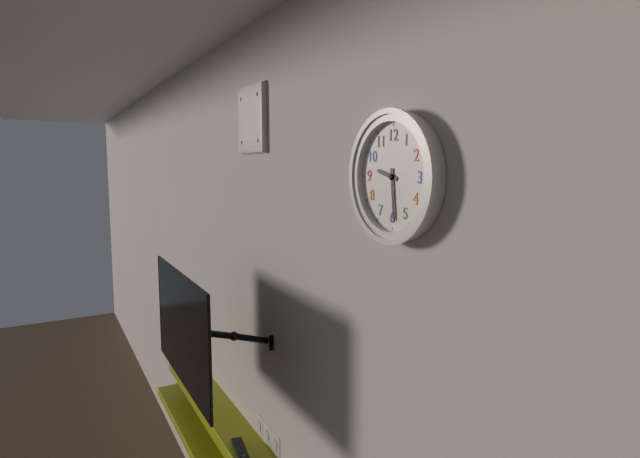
h=9 m=29
